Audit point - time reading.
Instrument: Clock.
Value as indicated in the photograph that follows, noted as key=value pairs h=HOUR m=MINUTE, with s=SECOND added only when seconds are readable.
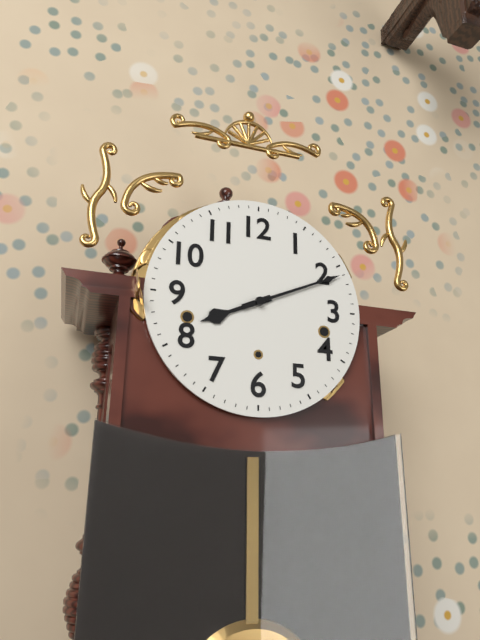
h=8 m=11
